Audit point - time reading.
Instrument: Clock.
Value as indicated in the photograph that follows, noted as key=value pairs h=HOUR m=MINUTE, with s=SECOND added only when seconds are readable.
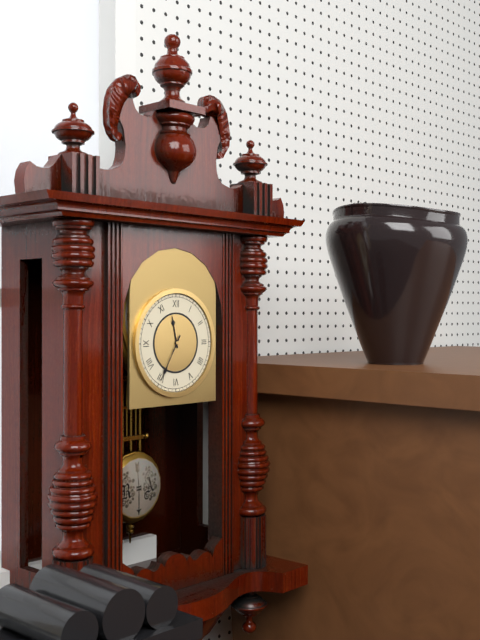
h=11 m=35
